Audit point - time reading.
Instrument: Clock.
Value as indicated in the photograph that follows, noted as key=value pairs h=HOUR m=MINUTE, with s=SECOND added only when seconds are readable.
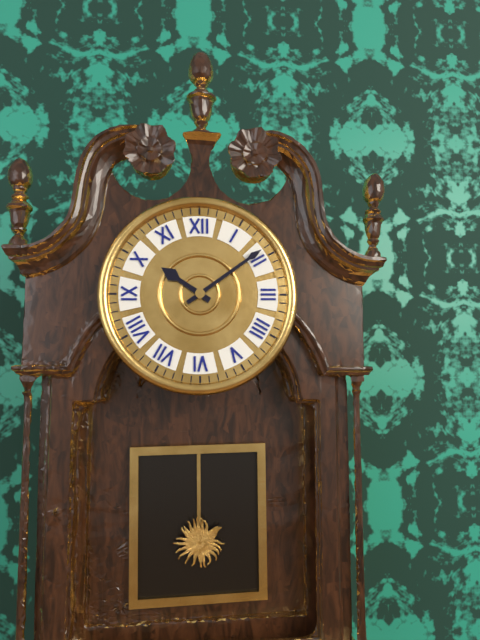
h=10 m=9
